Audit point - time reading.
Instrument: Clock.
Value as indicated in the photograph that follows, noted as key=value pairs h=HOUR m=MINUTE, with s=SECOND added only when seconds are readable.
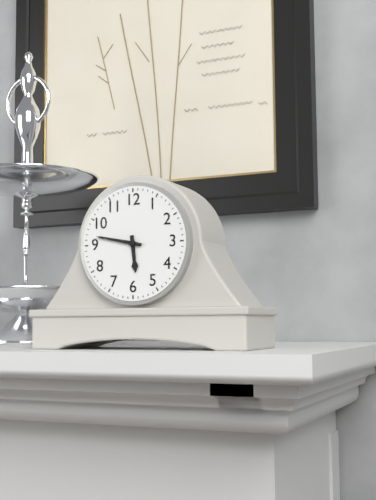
h=5 m=47
